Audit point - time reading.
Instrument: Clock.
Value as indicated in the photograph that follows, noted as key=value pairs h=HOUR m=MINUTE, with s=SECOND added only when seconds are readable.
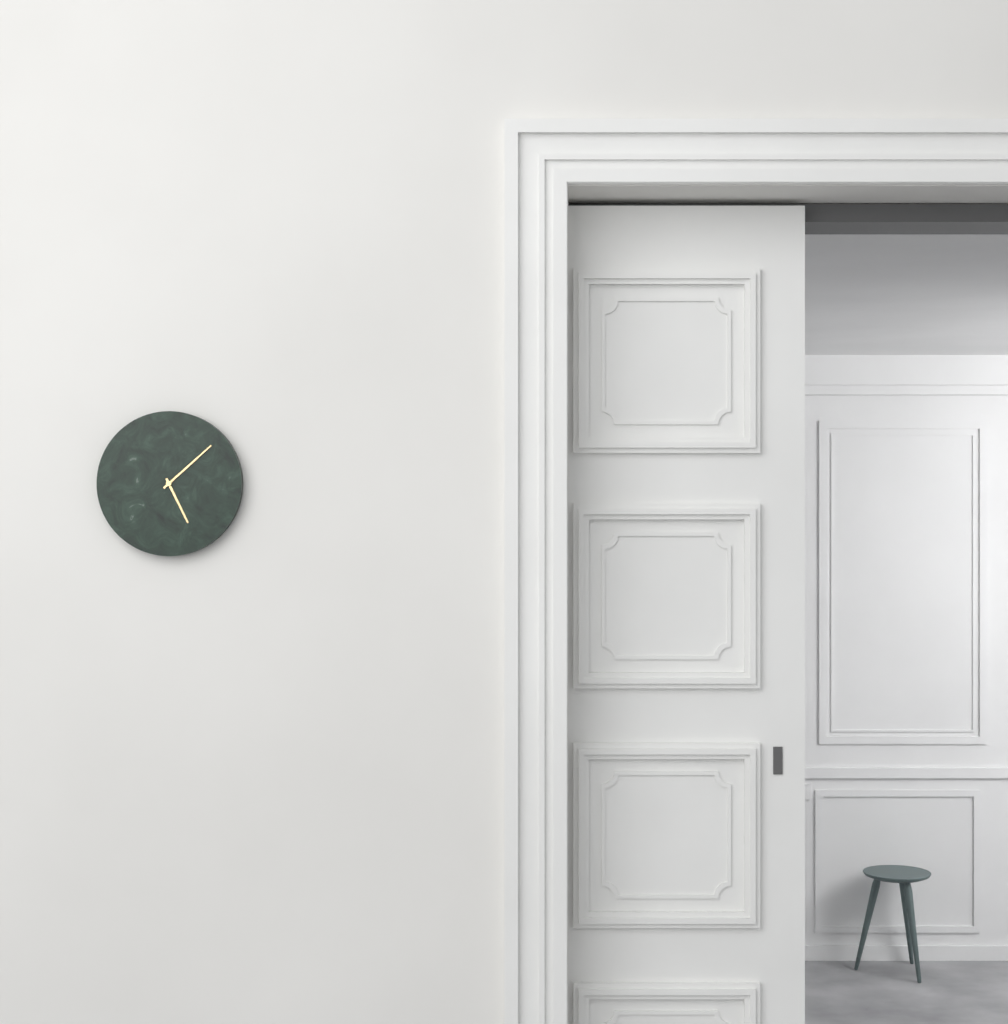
h=5 m=8
